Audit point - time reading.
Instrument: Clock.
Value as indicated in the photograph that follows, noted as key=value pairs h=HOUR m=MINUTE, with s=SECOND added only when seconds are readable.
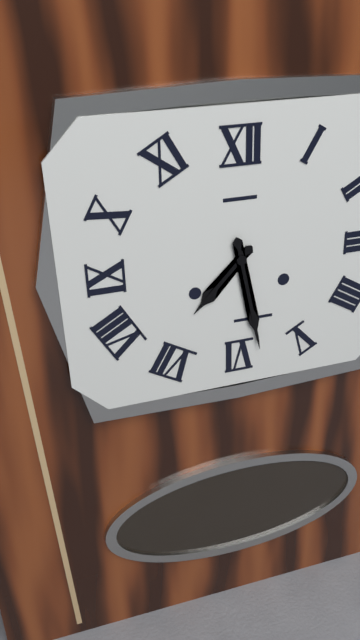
h=7 m=28
